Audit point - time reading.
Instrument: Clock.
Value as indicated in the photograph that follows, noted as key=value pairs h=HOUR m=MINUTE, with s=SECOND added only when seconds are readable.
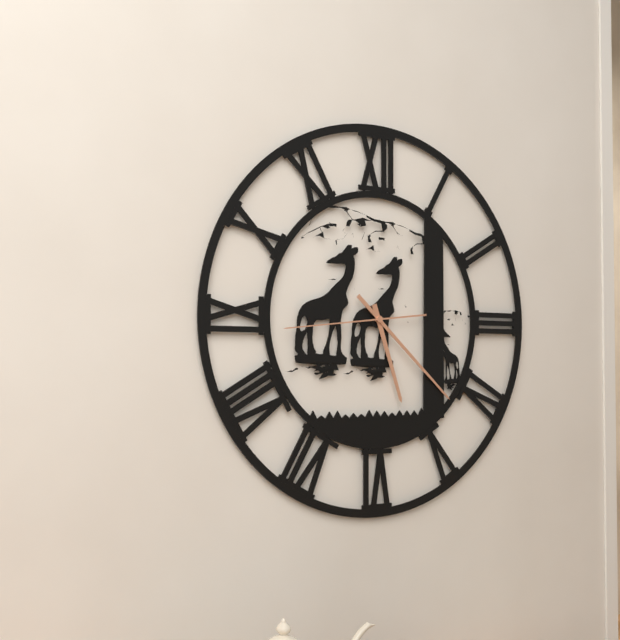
h=5 m=22 s=44
